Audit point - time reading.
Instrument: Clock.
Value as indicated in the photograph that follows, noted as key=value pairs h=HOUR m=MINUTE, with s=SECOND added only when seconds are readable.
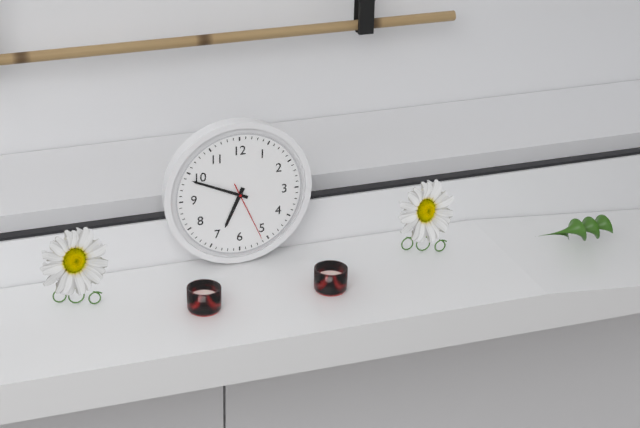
h=6 m=49 s=26
